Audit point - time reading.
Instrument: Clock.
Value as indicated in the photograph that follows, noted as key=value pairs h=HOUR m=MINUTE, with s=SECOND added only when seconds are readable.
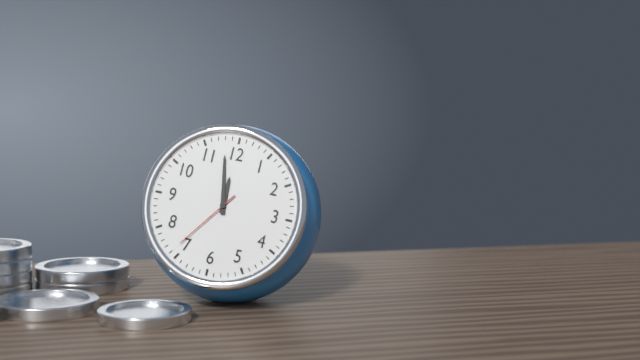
h=11 m=58 s=36
